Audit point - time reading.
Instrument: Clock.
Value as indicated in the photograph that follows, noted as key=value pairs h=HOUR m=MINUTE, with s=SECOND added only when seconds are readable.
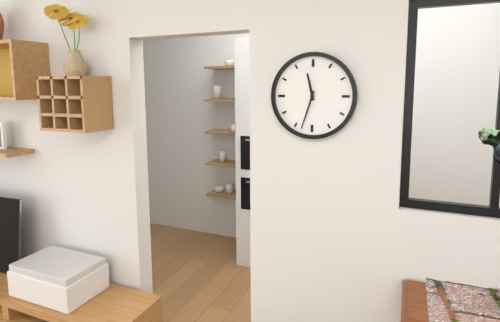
h=11 m=33
